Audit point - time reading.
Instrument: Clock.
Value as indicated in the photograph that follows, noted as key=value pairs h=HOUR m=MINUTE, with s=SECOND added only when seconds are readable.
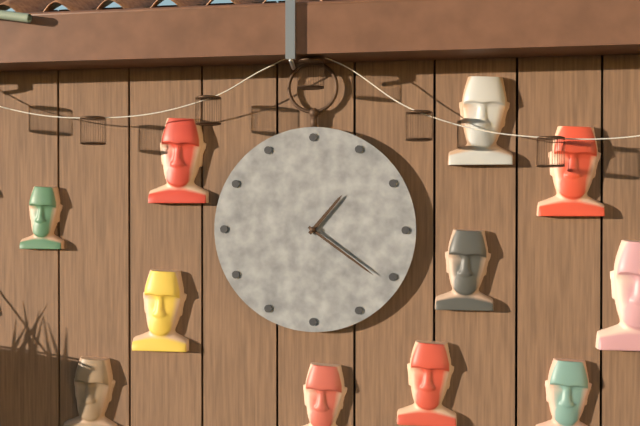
h=1 m=21
